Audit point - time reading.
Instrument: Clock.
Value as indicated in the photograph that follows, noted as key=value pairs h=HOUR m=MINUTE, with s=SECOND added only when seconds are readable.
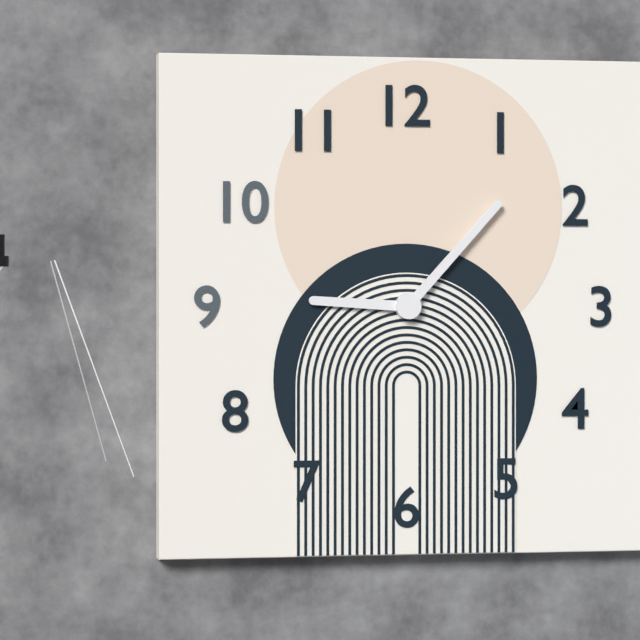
h=9 m=7
